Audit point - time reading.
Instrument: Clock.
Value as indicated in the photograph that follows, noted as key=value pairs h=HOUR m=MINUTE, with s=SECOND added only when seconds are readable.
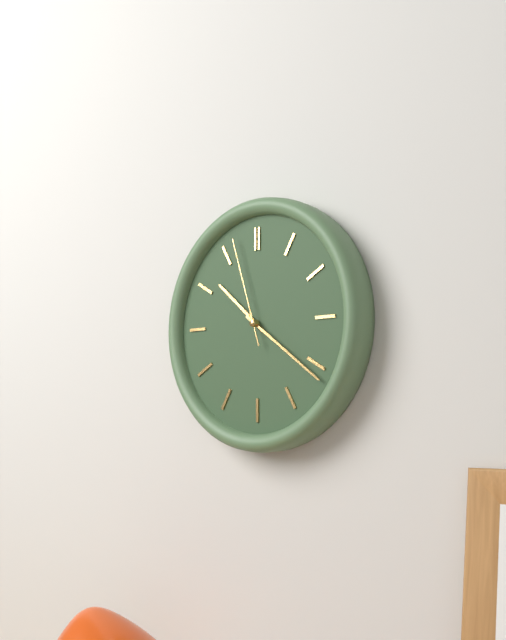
h=10 m=21 s=57
